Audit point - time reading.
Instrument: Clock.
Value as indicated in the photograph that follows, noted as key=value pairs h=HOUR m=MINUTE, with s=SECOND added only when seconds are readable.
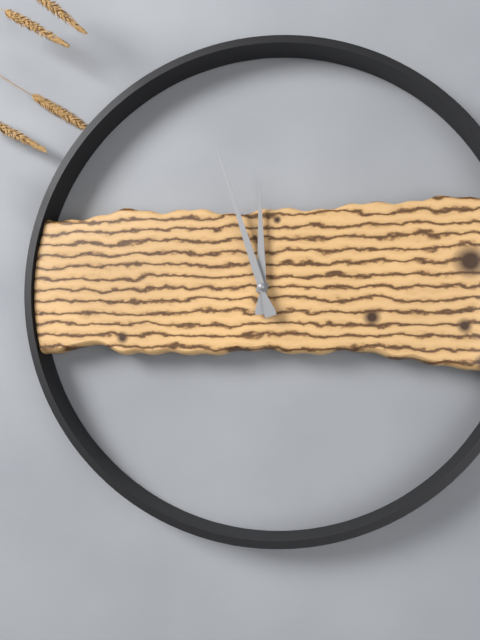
h=11 m=57
